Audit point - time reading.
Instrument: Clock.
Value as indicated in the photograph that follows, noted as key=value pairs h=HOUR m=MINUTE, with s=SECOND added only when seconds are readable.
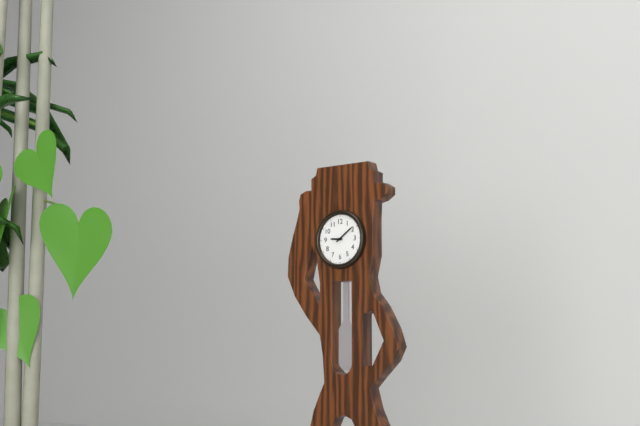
h=9 m=9
